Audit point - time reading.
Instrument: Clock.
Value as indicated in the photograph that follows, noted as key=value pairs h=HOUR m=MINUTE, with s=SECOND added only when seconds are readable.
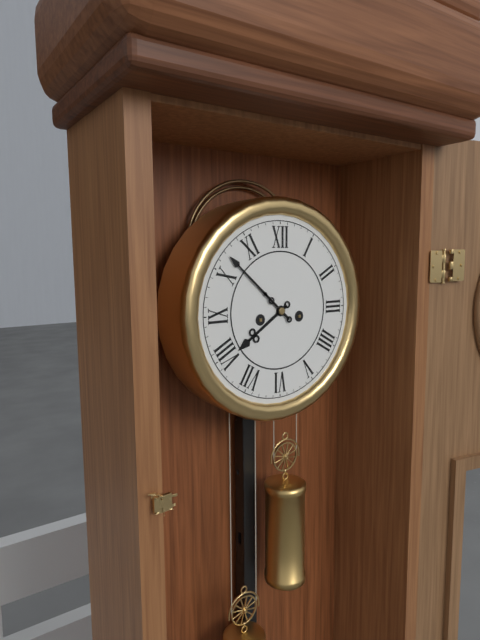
h=7 m=52
